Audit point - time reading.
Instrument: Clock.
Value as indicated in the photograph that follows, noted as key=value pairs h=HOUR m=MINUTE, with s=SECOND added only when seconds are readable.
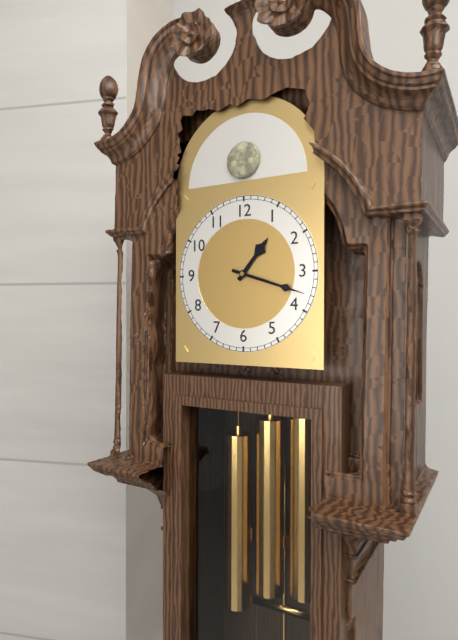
h=1 m=18
